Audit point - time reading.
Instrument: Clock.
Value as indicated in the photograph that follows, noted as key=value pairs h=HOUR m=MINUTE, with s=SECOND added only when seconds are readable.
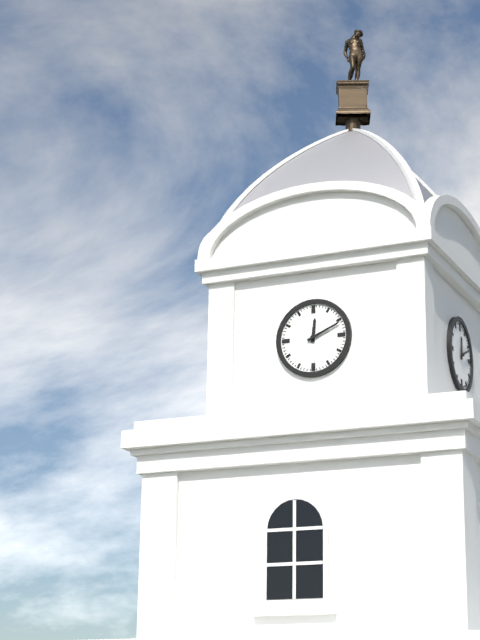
h=12 m=11
